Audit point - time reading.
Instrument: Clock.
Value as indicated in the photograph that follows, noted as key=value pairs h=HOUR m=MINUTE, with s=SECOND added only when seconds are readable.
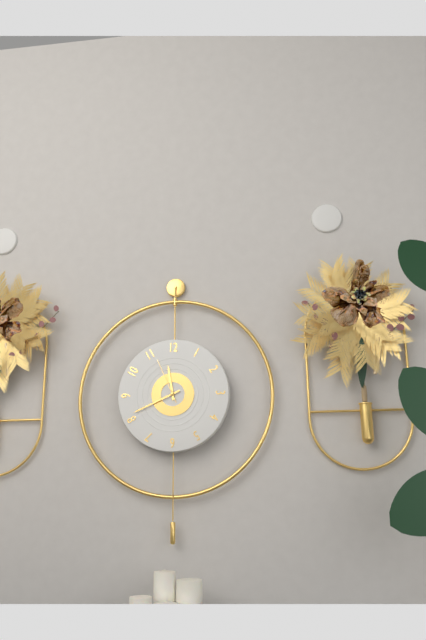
h=11 m=41
